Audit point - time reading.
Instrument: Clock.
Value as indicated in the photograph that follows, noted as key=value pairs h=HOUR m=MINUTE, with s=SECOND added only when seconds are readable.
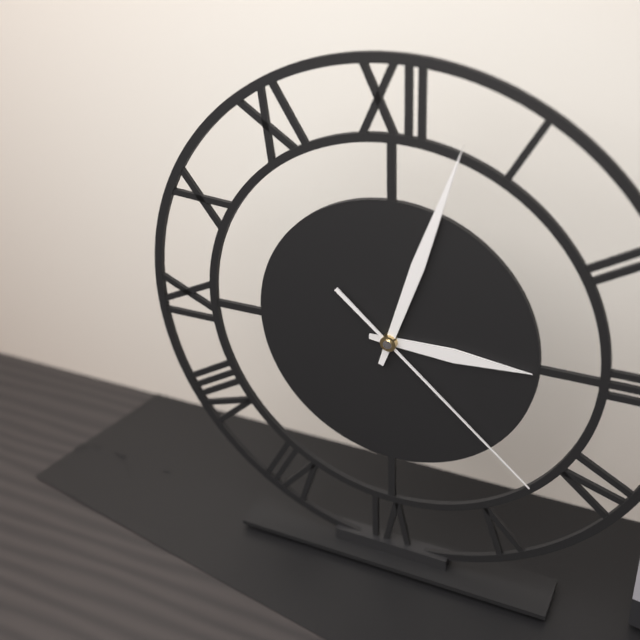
h=3 m=3 s=22
